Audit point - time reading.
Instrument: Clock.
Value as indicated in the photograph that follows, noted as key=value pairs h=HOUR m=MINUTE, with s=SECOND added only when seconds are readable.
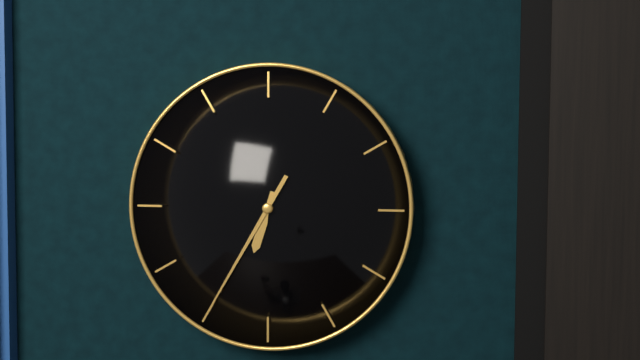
h=6 m=35
